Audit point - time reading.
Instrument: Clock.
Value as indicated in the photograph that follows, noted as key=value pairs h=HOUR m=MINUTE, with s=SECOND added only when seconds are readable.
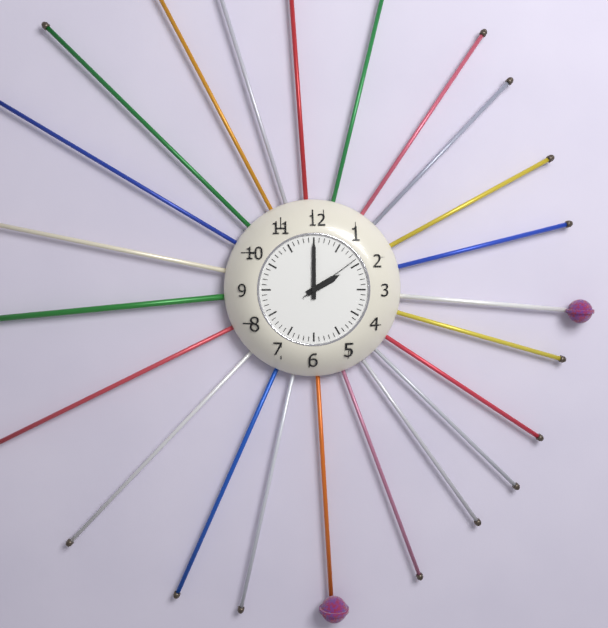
h=2 m=0 s=9
